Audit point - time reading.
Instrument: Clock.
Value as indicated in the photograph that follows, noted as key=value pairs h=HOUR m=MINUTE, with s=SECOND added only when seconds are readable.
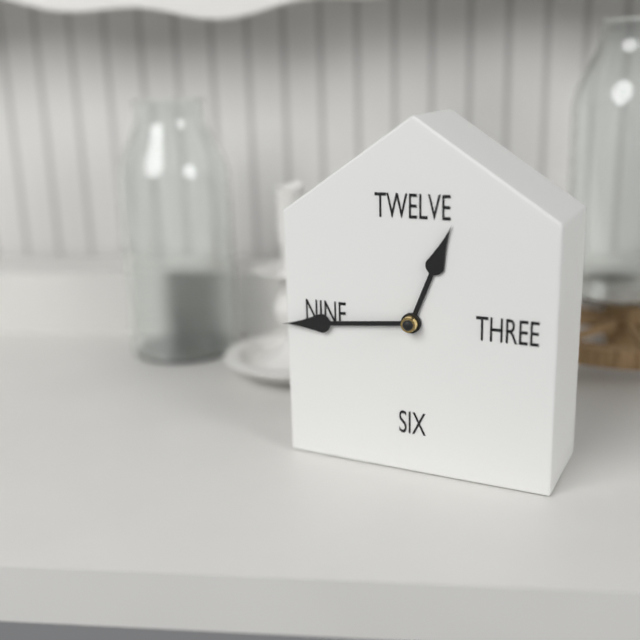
h=12 m=44
